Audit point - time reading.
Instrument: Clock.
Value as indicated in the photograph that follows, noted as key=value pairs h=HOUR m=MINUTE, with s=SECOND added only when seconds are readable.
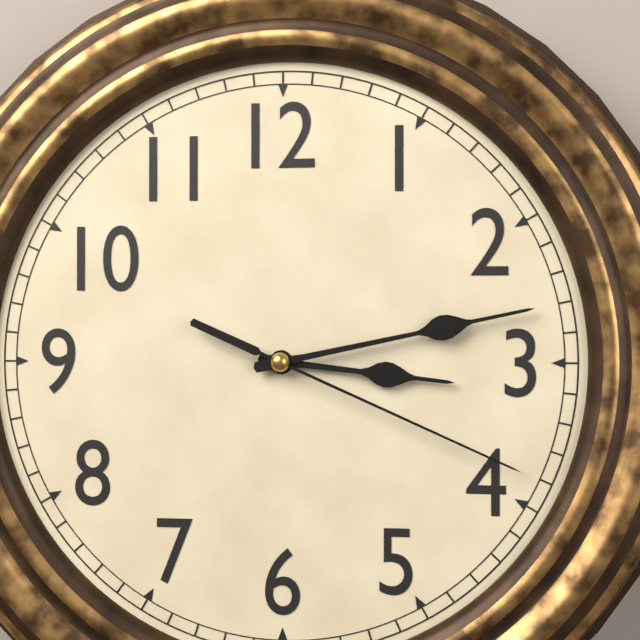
h=3 m=13 s=19
